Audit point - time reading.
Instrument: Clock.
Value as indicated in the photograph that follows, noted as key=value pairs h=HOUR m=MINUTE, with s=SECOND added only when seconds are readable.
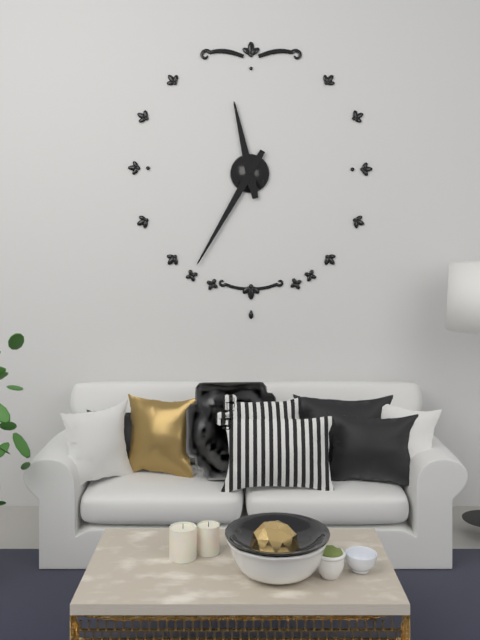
h=11 m=35
